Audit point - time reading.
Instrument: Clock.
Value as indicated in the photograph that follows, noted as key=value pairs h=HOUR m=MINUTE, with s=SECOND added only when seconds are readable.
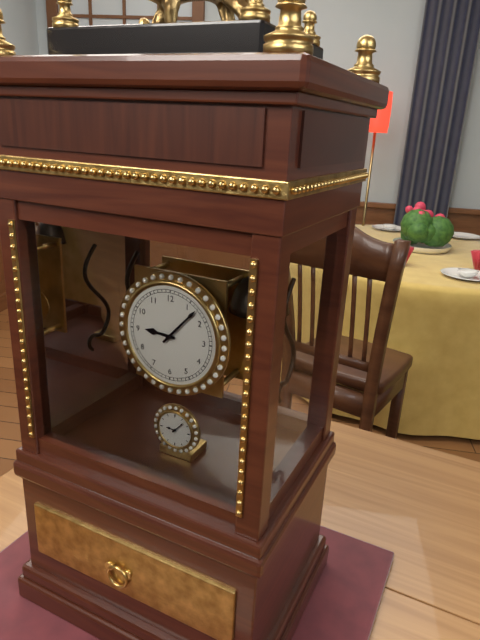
h=9 m=7
